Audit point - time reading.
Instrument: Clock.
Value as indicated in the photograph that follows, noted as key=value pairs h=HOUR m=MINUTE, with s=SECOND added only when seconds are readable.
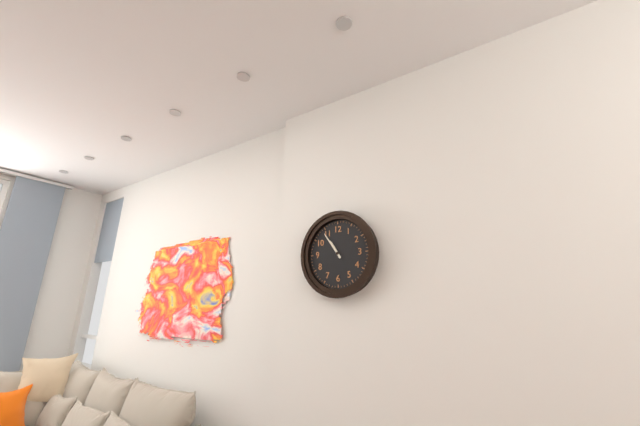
h=10 m=54
